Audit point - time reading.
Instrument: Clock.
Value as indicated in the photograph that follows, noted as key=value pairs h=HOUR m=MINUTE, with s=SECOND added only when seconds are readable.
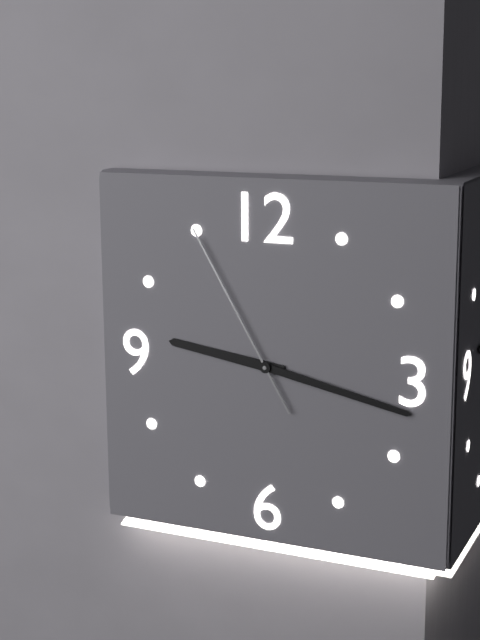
h=9 m=17 s=55
